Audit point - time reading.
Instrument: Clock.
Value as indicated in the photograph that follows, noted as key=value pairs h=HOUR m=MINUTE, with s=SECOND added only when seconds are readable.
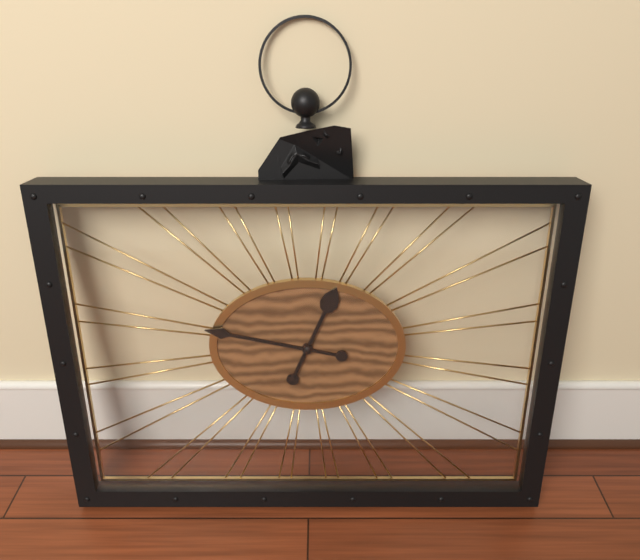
h=12 m=47
